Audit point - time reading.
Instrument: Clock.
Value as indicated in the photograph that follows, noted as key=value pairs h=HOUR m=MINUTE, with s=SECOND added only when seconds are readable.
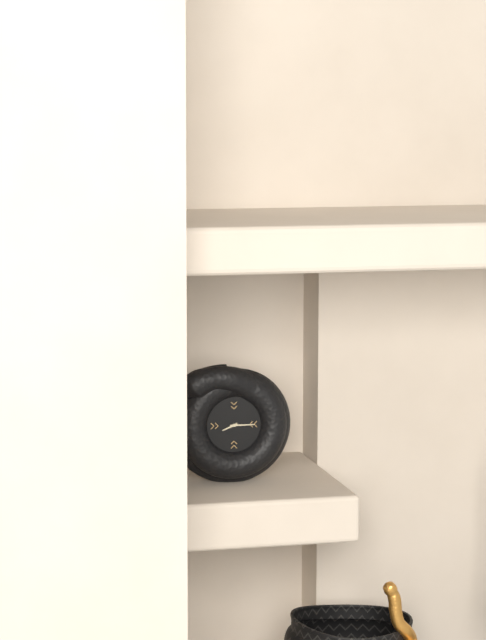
h=8 m=15
